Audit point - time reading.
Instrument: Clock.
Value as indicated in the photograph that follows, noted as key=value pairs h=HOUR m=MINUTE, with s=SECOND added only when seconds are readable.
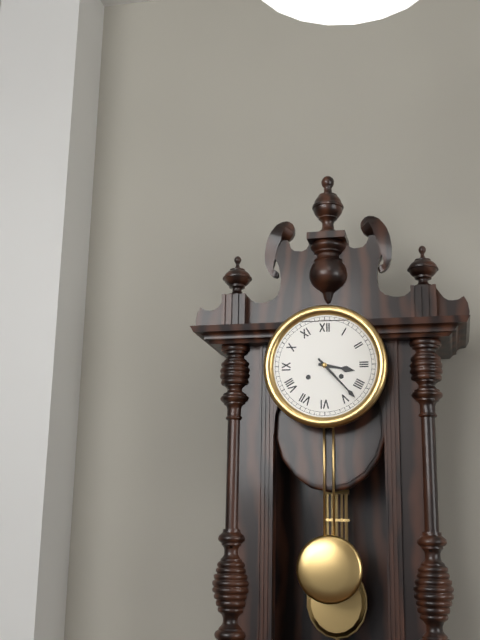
h=3 m=23
